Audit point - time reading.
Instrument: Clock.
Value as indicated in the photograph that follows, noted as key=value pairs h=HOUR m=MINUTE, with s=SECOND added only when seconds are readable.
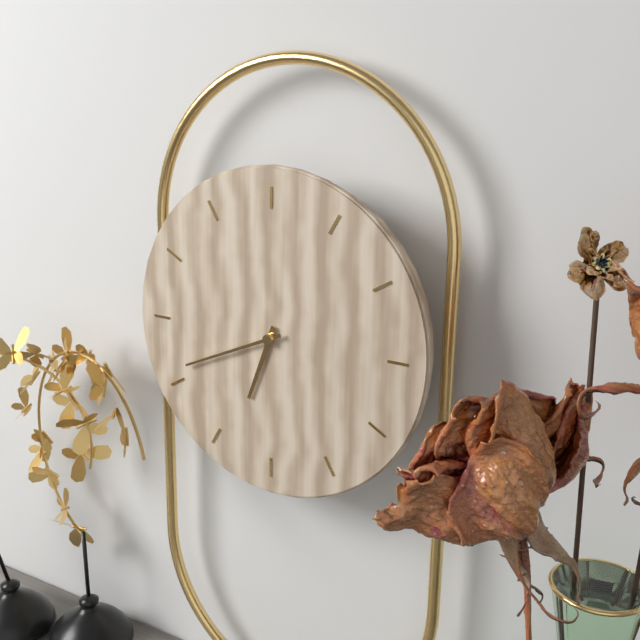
h=6 m=41
